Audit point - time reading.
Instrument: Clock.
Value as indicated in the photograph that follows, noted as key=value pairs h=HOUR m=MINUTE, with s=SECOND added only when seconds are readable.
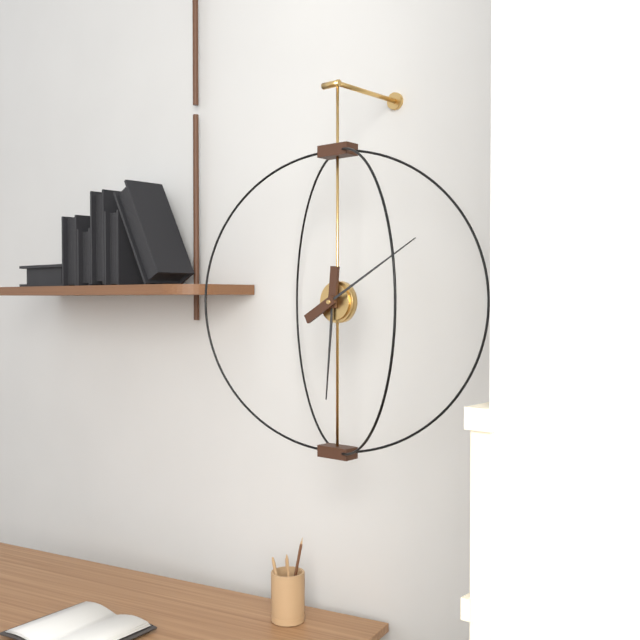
h=6 m=10
